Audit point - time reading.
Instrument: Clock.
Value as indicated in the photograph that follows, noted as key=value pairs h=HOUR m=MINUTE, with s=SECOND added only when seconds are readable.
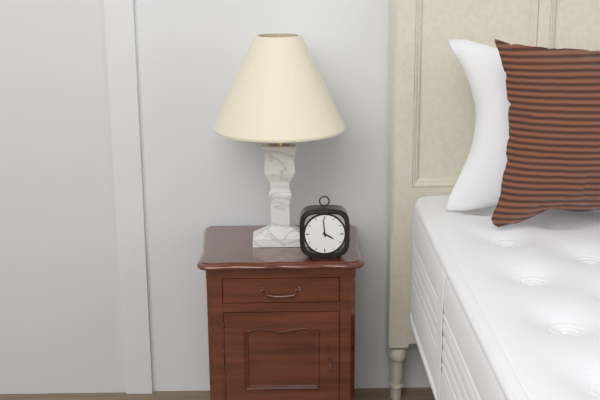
h=3 m=59
